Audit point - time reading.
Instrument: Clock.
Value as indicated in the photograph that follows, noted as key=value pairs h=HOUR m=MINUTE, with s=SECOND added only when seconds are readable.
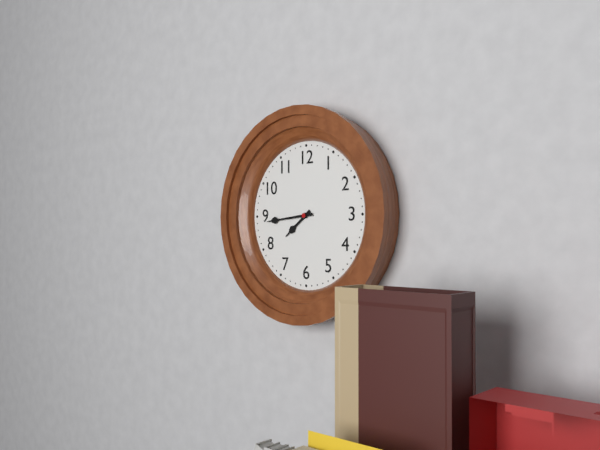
h=7 m=44
